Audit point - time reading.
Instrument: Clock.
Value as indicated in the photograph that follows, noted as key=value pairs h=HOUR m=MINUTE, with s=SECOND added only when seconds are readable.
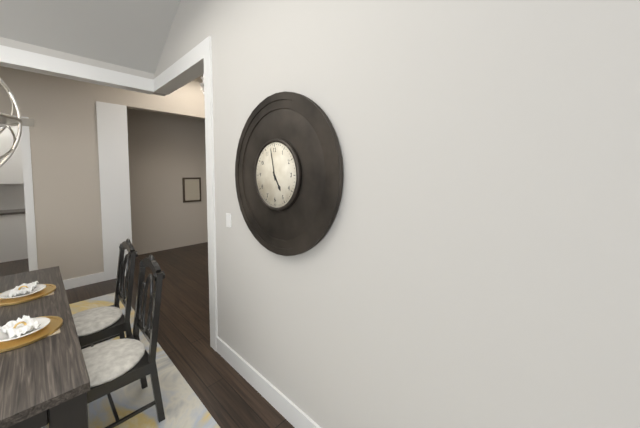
h=4 m=58
